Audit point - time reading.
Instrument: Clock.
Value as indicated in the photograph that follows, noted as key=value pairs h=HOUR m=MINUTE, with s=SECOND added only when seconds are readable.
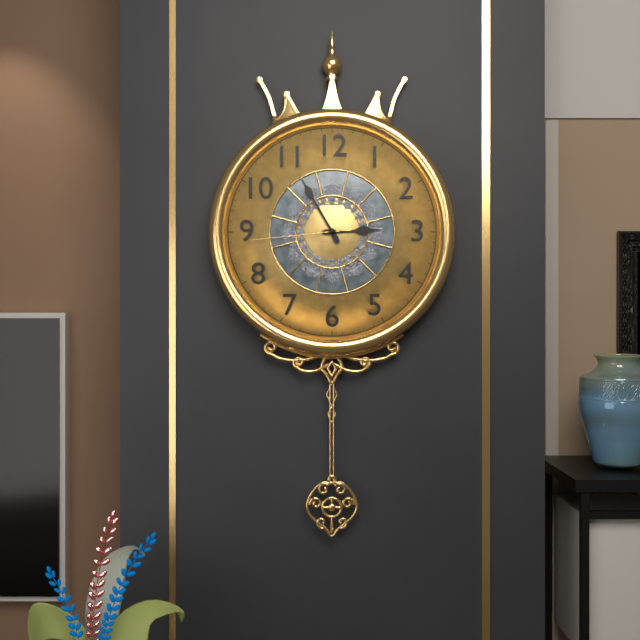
h=2 m=55 s=44
